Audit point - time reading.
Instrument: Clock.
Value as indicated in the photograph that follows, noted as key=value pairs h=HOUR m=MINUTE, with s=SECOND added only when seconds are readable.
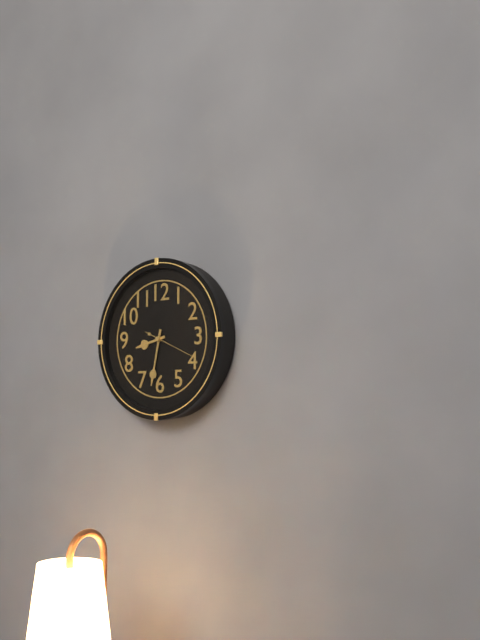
h=8 m=32
